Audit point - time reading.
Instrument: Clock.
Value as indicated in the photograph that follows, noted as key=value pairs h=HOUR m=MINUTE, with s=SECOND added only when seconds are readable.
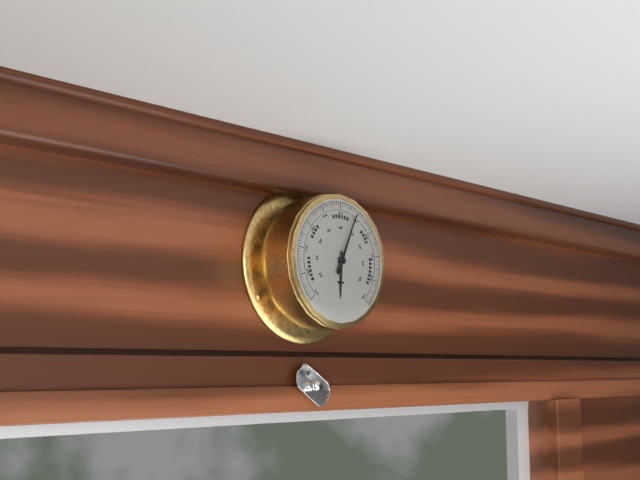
h=6 m=4
